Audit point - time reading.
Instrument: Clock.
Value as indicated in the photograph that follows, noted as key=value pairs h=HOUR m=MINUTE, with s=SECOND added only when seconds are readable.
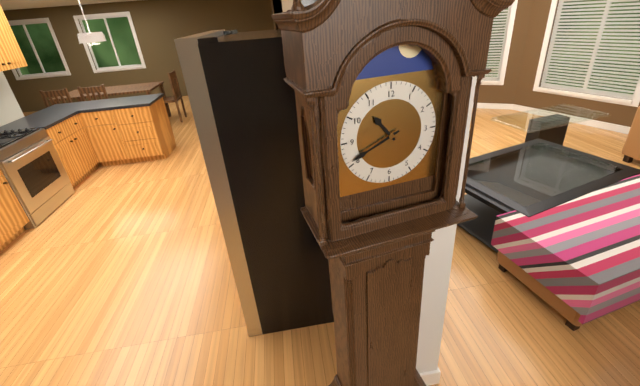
h=10 m=41
